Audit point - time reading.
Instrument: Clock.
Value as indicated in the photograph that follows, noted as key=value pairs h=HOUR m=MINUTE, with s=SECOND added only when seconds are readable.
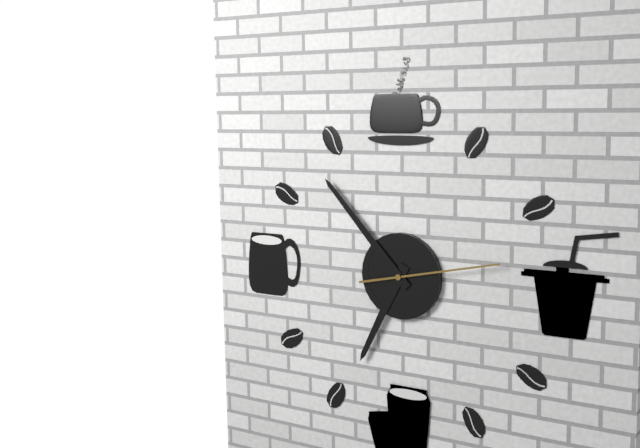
h=6 m=53 s=13
